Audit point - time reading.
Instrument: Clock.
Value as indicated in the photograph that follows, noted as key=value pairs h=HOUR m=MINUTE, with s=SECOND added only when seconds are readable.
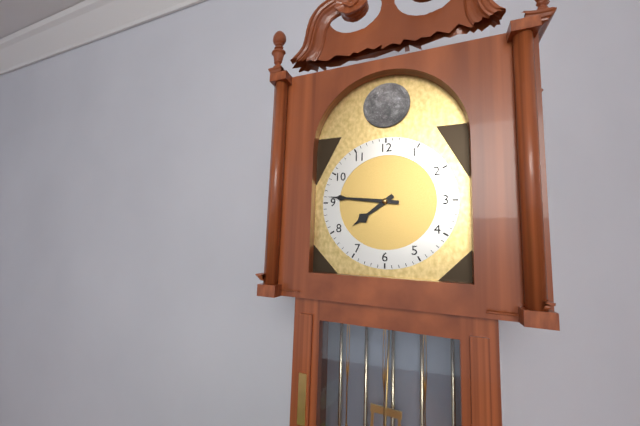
h=7 m=46
